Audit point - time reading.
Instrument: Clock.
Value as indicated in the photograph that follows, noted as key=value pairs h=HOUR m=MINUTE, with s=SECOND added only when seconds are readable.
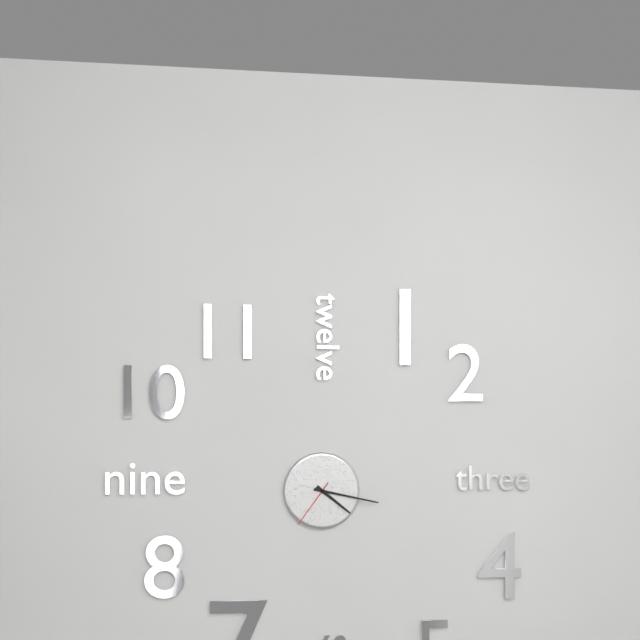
h=4 m=17 s=36
